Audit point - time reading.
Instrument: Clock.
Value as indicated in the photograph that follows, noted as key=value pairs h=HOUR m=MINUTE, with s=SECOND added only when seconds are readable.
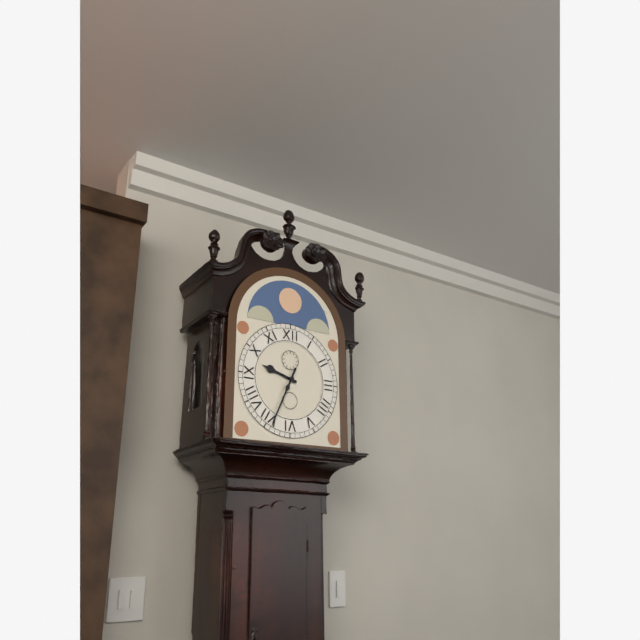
h=9 m=34
